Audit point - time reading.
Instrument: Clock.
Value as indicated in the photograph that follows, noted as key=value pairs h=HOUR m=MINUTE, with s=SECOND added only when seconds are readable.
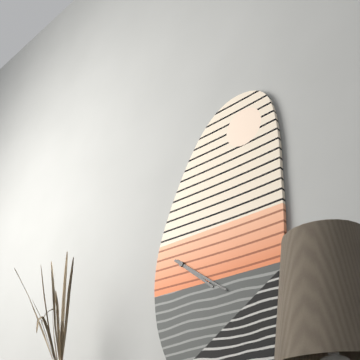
h=4 m=21
